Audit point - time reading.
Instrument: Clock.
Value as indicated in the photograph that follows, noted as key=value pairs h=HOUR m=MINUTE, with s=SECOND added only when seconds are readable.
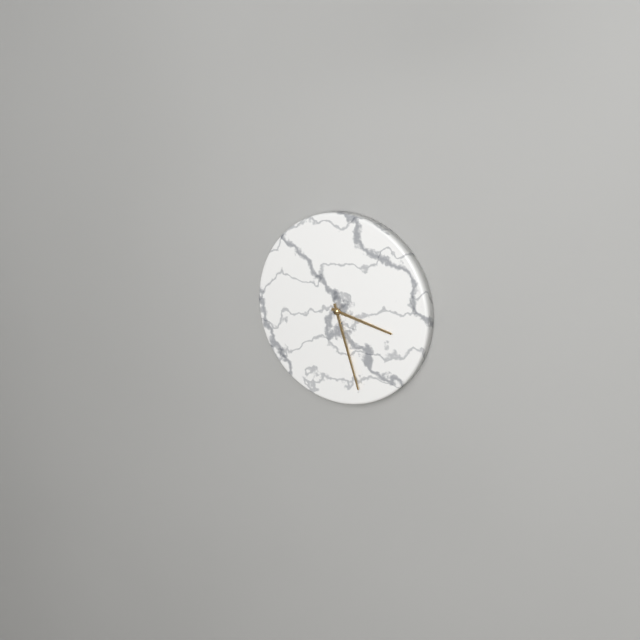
h=3 m=27
